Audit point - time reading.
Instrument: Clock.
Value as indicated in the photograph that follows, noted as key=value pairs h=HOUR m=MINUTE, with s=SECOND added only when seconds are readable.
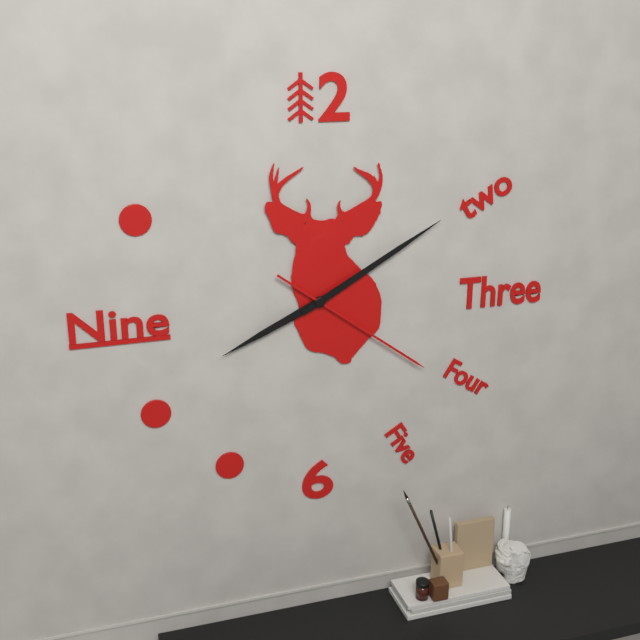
h=8 m=10 s=21
